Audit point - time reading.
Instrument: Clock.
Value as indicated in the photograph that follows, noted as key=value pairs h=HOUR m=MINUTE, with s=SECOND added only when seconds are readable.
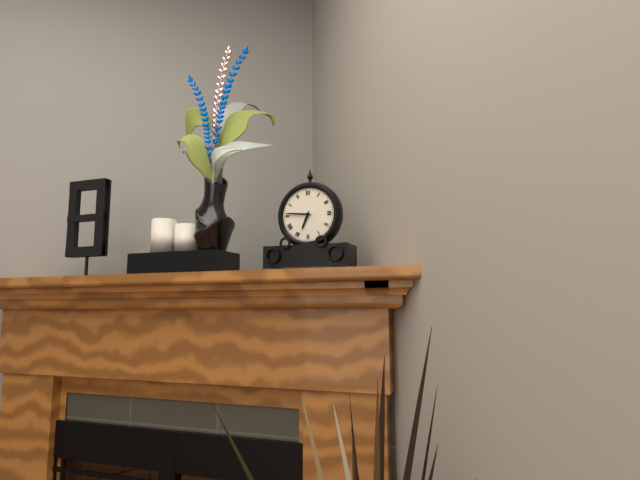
h=6 m=46
